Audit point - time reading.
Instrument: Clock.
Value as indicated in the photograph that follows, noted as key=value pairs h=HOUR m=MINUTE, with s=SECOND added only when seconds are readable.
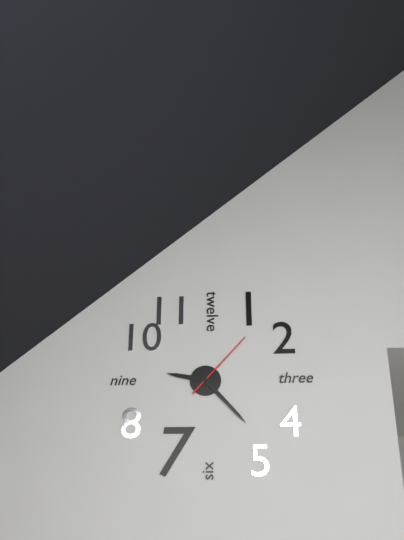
h=9 m=23 s=7
